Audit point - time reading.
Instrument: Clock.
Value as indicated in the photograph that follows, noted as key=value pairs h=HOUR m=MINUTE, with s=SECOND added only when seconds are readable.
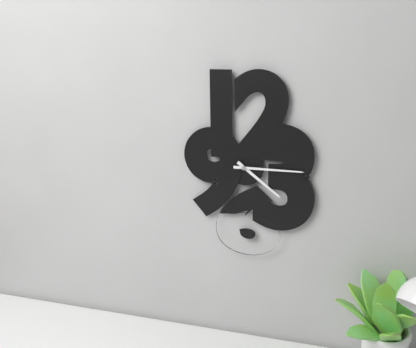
h=4 m=15
